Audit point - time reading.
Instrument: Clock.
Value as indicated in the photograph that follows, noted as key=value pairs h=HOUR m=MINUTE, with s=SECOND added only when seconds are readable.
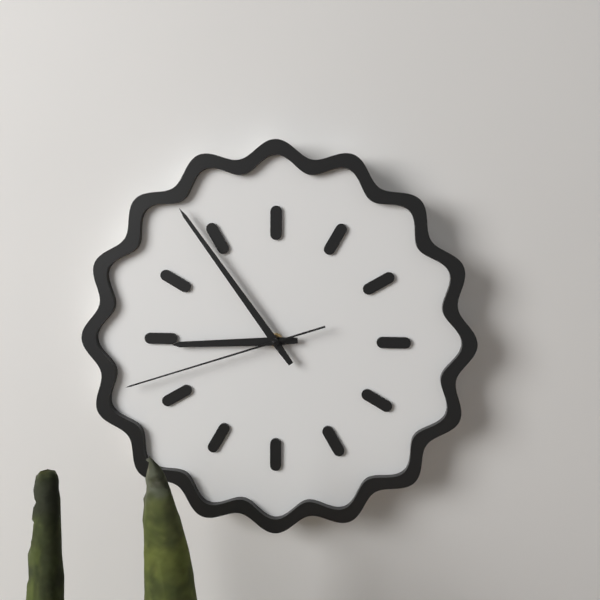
h=8 m=54 s=42
